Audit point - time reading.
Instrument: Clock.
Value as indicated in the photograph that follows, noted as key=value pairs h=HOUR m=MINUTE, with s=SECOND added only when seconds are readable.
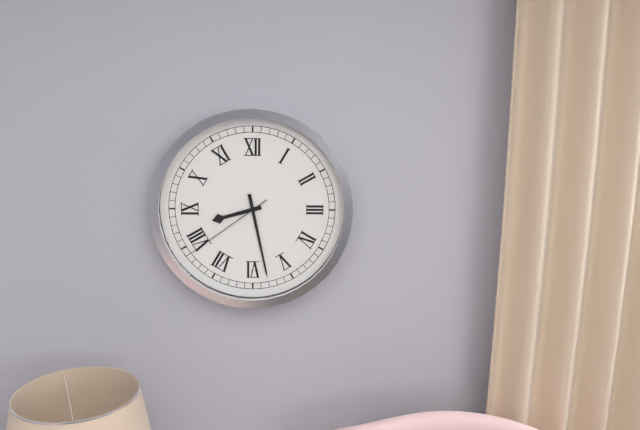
h=8 m=28 s=39
